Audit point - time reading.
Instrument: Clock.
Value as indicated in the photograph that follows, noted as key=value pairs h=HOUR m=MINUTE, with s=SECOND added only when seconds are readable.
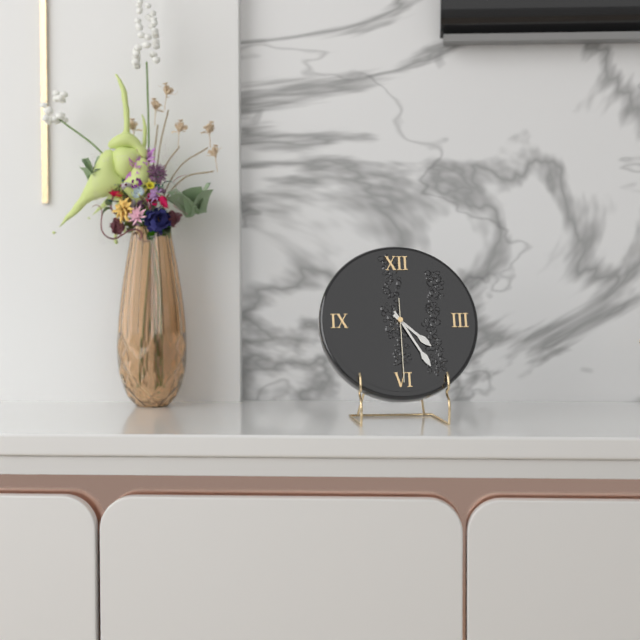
h=4 m=25 s=30
